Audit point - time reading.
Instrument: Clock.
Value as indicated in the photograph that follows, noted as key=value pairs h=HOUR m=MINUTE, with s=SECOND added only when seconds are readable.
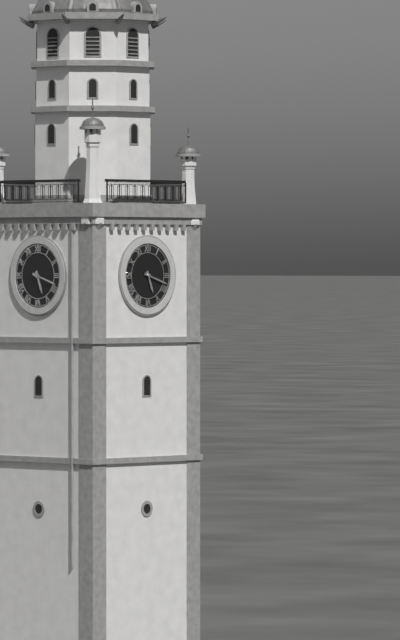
h=5 m=18
